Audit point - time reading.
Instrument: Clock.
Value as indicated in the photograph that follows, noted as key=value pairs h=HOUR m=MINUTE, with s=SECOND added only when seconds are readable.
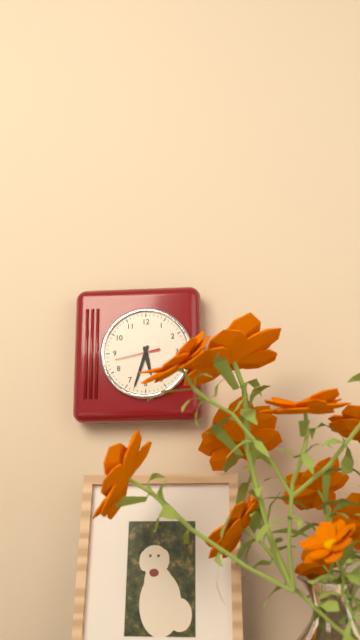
h=5 m=33
